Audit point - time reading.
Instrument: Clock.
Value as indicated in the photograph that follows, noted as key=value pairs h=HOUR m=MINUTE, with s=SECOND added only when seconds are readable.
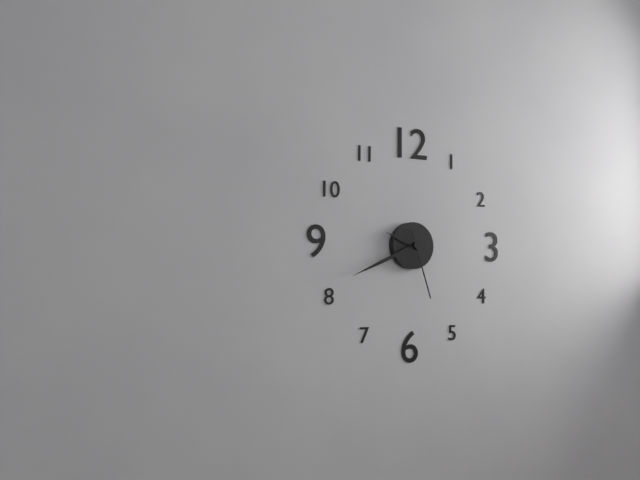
h=9 m=41 s=27
